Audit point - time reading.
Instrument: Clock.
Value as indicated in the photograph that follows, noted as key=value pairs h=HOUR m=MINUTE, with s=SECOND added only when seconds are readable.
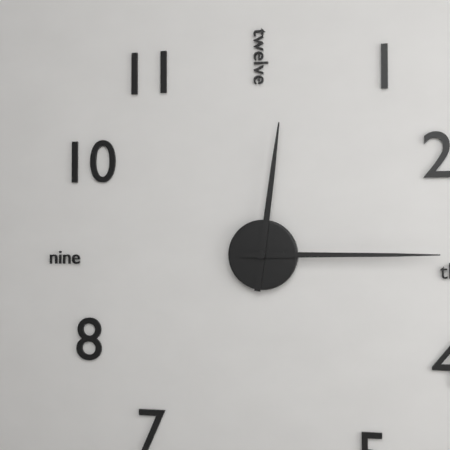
h=12 m=15
